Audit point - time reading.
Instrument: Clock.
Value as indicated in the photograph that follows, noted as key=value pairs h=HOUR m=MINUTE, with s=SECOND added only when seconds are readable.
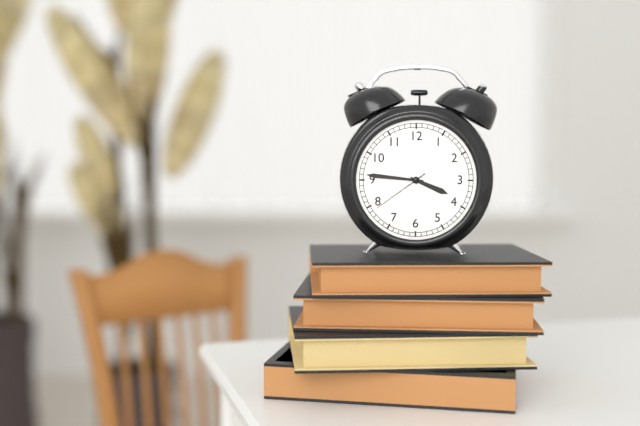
h=3 m=46 s=39
